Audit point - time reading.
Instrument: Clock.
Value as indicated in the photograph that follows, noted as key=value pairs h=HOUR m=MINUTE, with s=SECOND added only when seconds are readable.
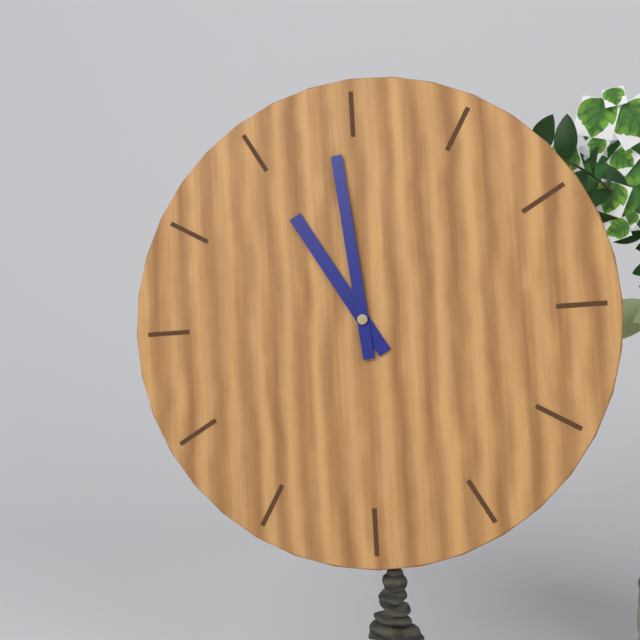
h=10 m=59
